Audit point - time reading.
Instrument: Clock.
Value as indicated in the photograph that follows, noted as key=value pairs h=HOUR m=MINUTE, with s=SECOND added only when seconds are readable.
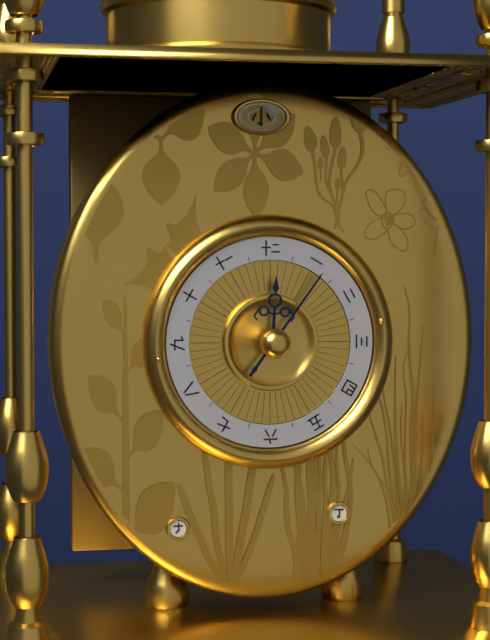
h=12 m=6
